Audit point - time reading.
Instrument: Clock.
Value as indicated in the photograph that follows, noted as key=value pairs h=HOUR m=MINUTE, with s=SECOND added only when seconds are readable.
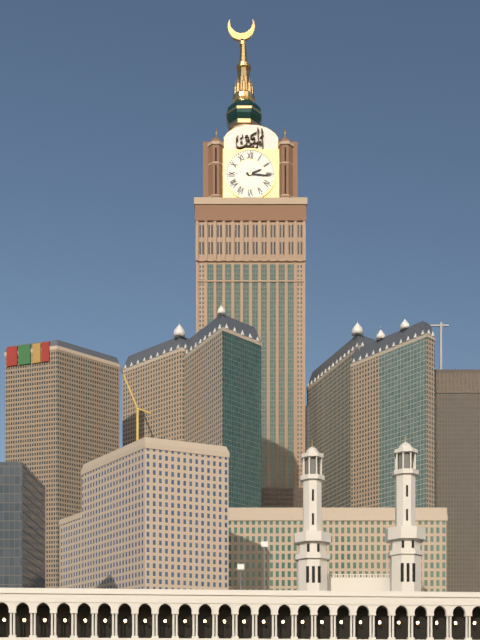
h=2 m=16
